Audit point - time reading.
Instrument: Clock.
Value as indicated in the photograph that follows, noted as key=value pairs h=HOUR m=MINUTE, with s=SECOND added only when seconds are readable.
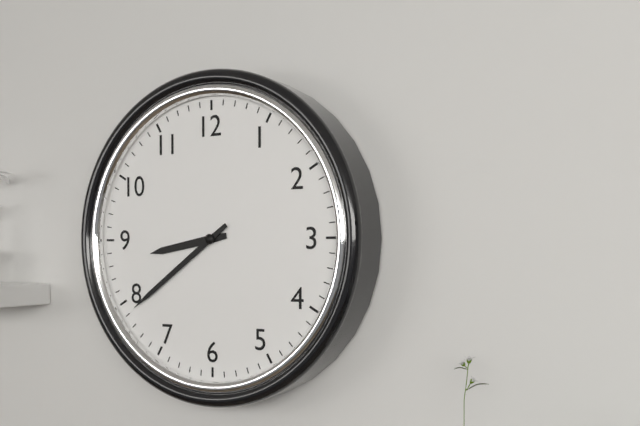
h=8 m=39
